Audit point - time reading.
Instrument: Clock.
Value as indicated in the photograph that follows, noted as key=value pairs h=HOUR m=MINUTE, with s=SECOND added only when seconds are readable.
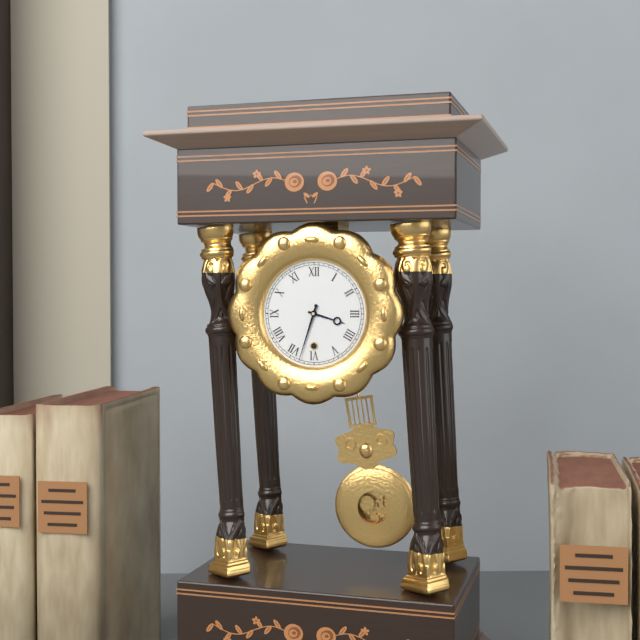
h=3 m=33
